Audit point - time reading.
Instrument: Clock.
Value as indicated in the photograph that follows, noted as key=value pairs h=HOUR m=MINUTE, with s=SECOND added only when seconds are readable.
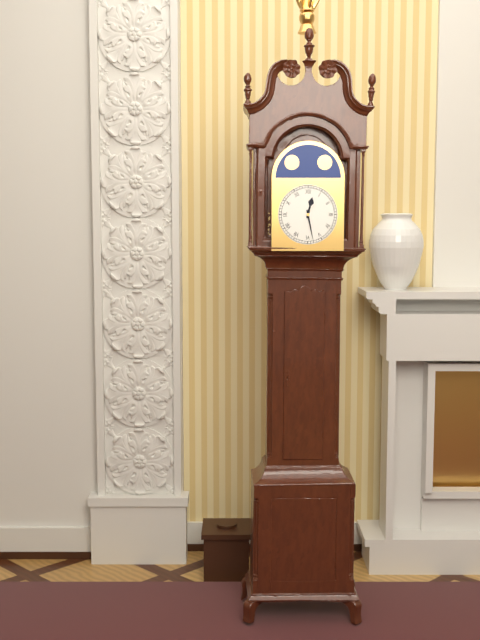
h=12 m=28
